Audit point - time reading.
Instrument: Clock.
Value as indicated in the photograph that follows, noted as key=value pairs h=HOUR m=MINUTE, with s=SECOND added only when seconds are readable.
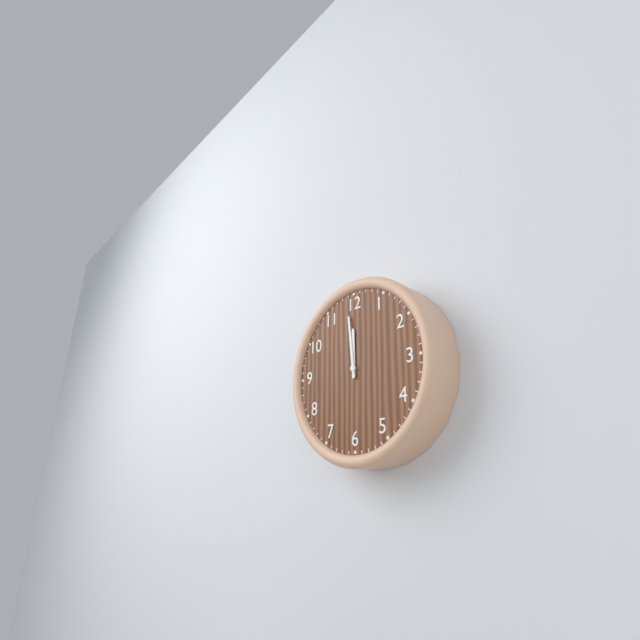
h=11 m=59
